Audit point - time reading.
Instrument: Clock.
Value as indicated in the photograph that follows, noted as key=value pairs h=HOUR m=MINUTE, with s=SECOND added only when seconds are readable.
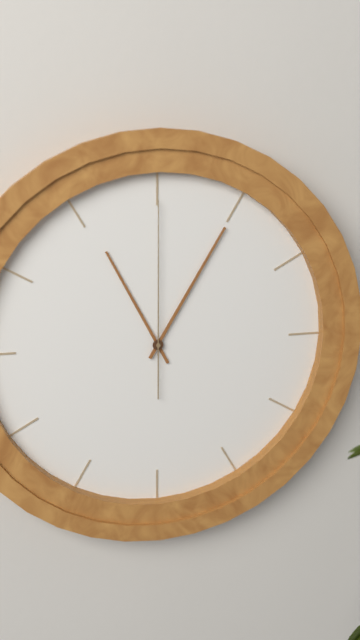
h=11 m=5 s=0
